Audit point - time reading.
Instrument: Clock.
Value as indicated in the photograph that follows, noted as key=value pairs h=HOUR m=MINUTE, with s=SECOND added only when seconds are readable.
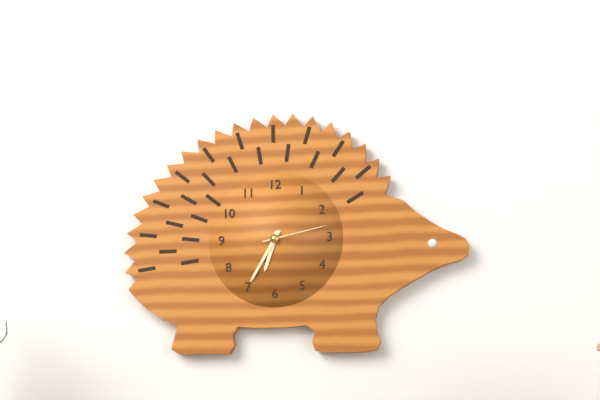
h=6 m=35 s=13
